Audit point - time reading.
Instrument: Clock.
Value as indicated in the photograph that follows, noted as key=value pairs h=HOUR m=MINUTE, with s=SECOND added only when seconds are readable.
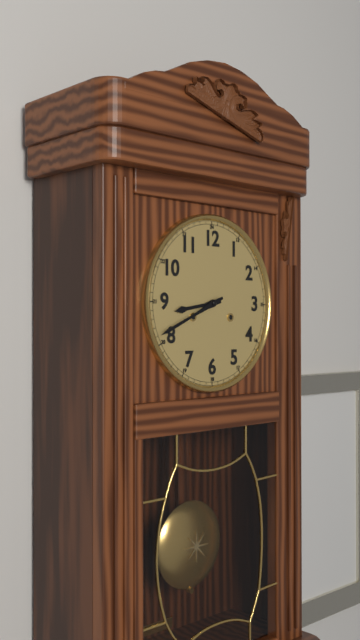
h=8 m=41
